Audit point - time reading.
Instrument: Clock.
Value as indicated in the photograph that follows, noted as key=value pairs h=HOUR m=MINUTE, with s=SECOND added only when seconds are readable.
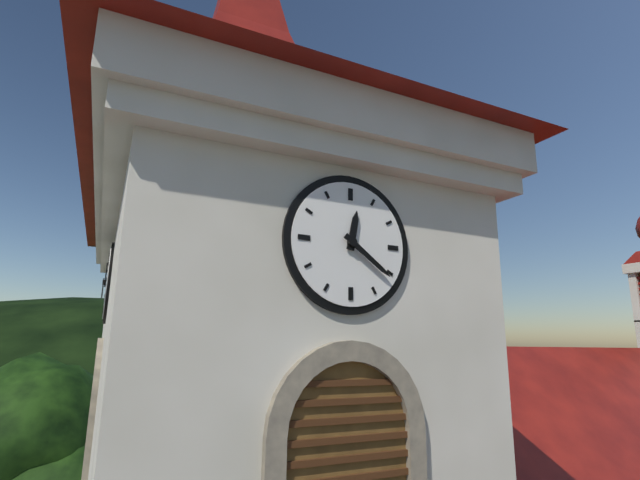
h=12 m=21
